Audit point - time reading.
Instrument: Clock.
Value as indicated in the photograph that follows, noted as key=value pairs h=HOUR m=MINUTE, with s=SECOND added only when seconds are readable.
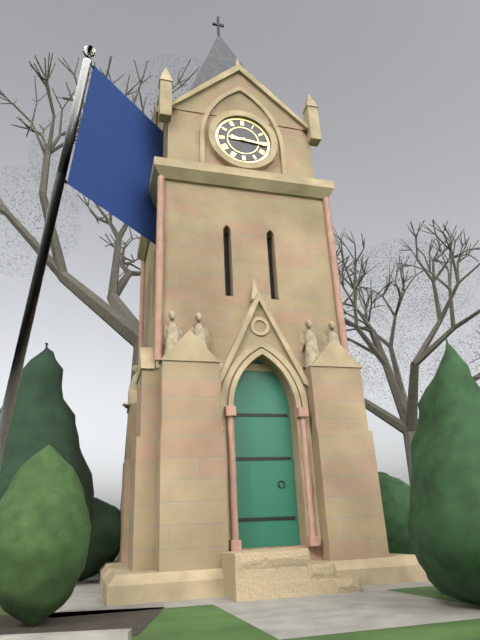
h=9 m=16
